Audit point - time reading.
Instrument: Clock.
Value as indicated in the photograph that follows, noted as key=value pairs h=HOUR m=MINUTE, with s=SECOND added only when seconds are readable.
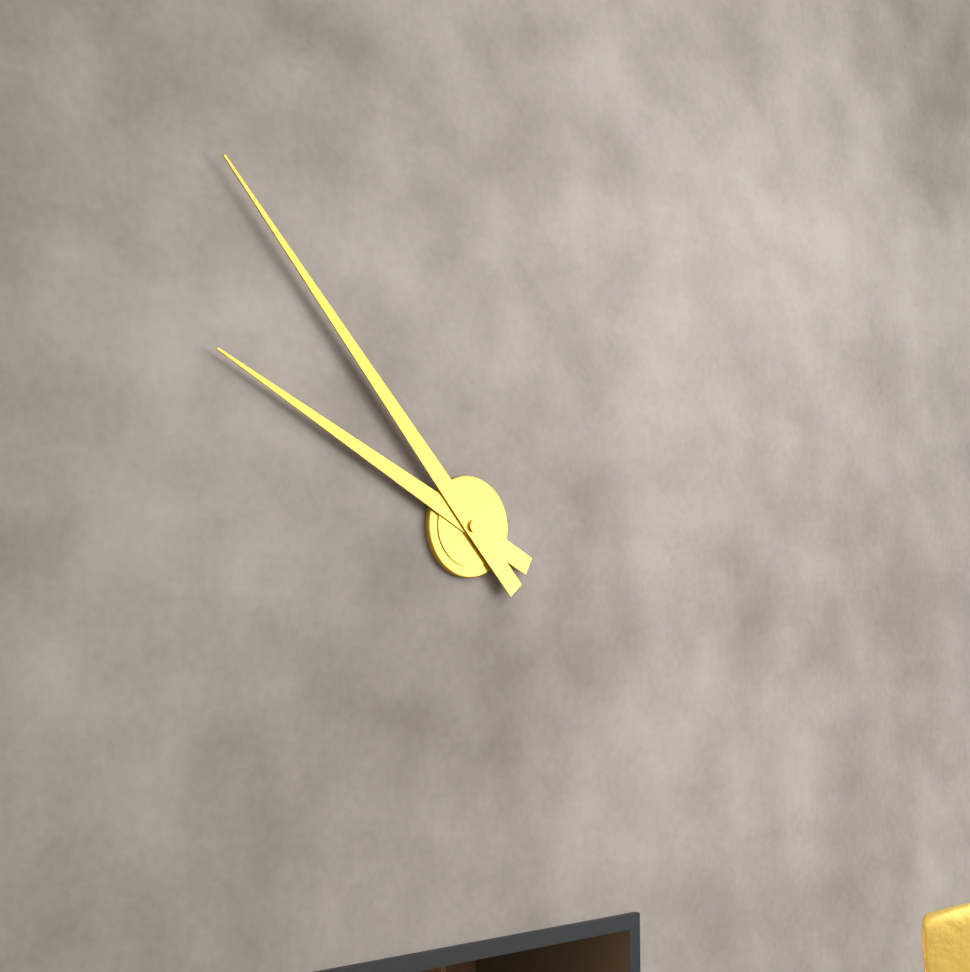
h=9 m=53
